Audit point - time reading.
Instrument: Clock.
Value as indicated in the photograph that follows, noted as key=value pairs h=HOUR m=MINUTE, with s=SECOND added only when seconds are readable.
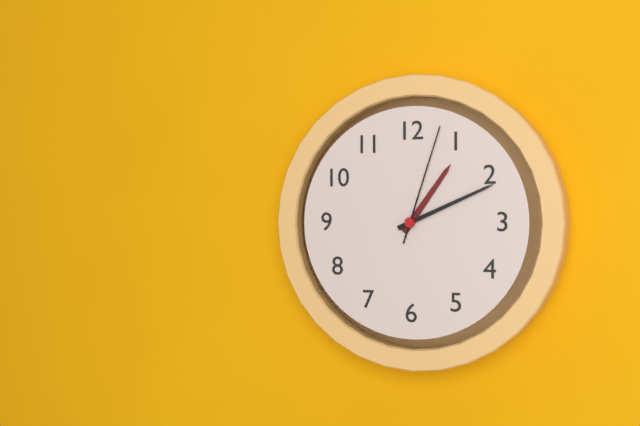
h=1 m=11 s=3
